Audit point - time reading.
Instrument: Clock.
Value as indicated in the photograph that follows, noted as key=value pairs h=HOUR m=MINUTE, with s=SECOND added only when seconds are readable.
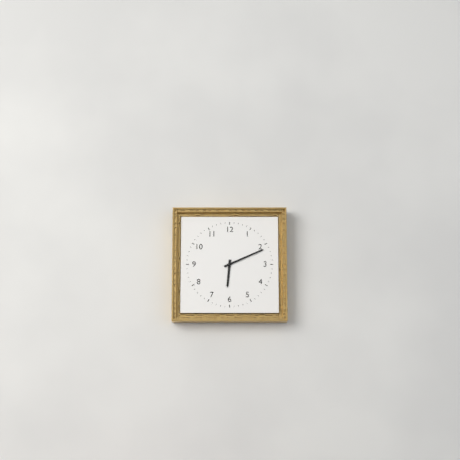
h=6 m=11
